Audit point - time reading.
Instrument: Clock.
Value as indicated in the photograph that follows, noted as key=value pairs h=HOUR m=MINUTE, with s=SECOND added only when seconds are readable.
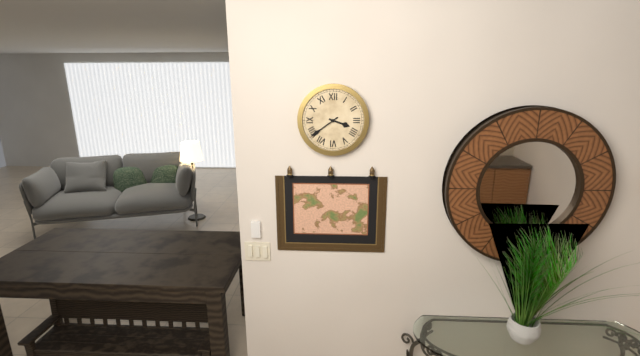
h=3 m=39
